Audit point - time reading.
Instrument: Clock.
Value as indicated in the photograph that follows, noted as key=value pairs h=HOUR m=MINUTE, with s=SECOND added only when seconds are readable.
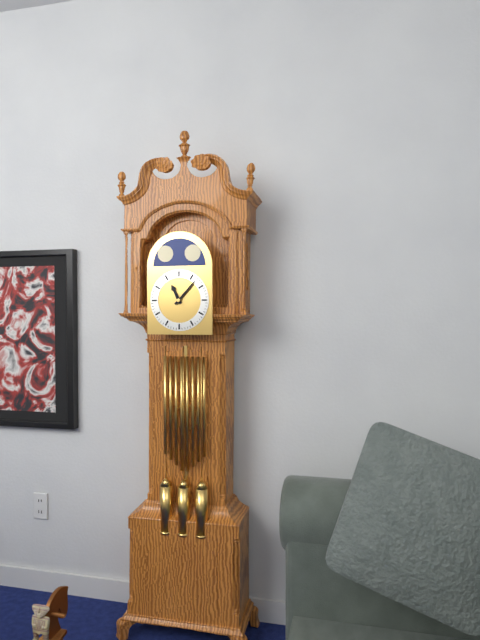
h=11 m=7
